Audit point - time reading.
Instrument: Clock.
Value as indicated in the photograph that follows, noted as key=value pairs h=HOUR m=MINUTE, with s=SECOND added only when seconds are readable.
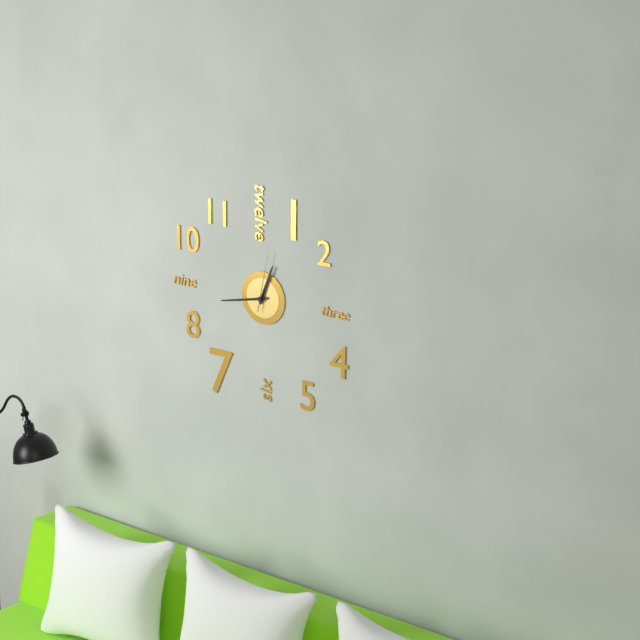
h=12 m=43 s=2
